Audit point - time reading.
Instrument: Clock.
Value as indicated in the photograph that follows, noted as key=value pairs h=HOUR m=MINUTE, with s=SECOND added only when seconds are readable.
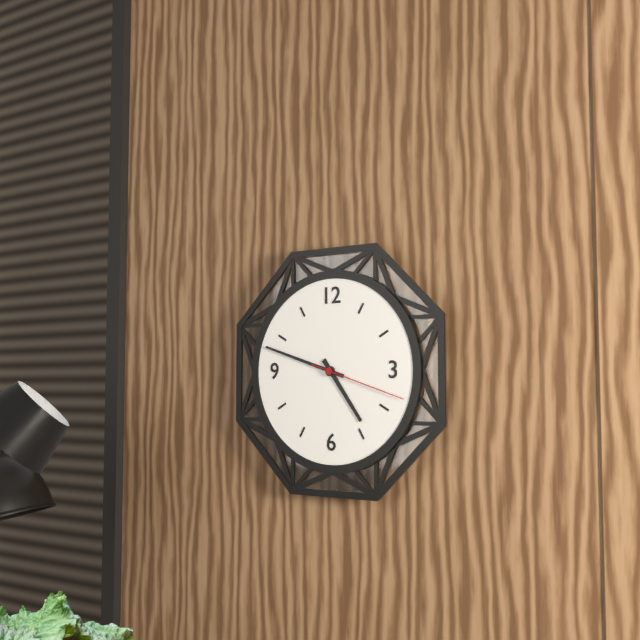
h=4 m=48 s=18
